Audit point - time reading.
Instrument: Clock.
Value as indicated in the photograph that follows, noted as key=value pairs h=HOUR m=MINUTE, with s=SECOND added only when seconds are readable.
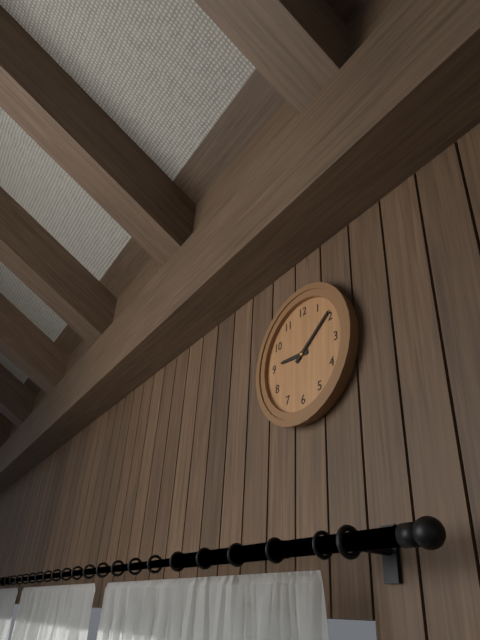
h=9 m=9
